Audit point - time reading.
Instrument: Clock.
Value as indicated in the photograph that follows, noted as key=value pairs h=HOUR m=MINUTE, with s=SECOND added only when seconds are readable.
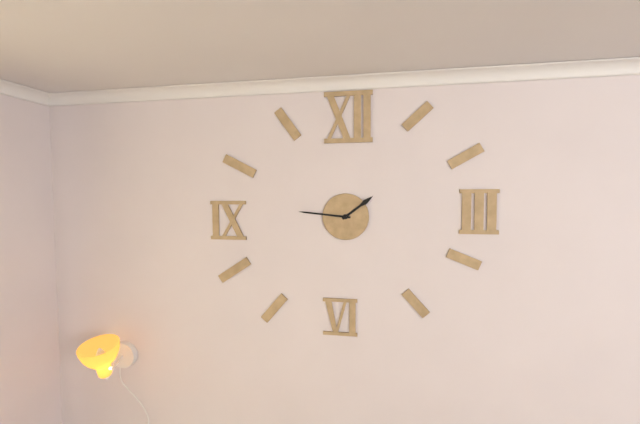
h=1 m=46
